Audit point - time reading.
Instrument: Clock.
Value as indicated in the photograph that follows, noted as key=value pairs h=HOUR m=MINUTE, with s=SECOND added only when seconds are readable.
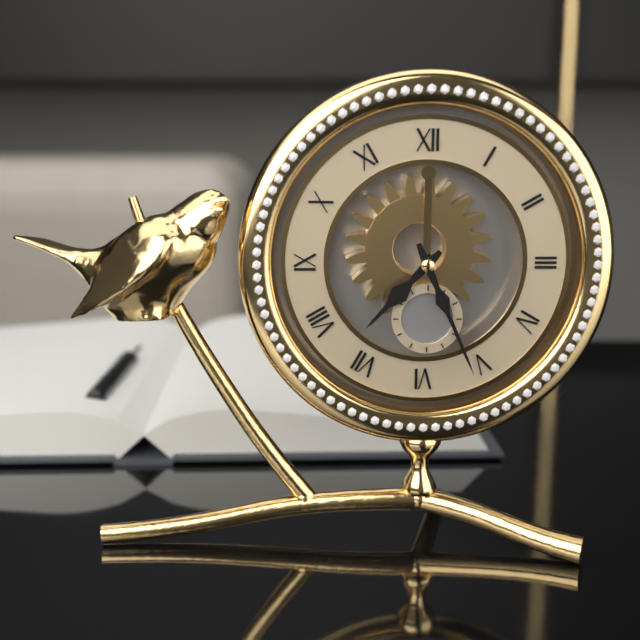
h=7 m=26
